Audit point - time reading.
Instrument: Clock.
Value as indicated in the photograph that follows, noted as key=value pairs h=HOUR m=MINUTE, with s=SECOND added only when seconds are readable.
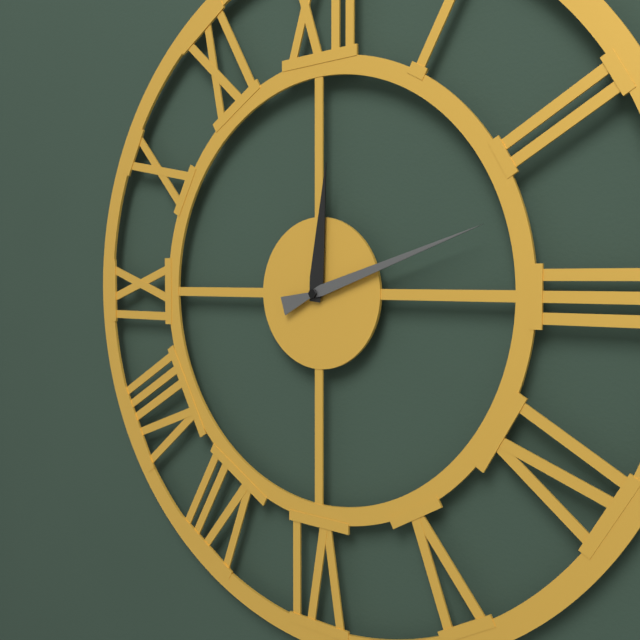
h=12 m=12
